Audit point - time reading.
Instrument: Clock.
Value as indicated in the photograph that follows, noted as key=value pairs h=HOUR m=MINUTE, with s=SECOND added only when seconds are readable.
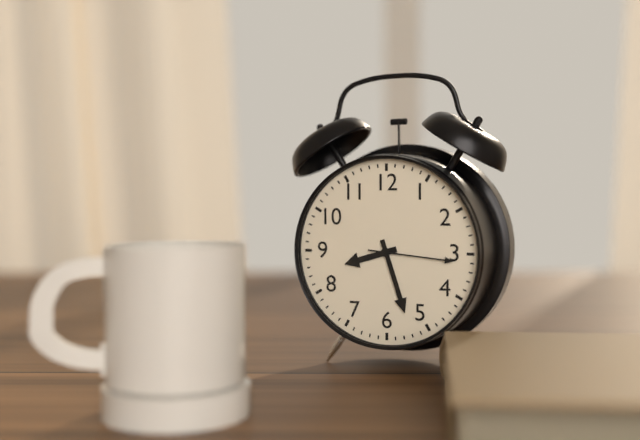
h=8 m=27 s=16
